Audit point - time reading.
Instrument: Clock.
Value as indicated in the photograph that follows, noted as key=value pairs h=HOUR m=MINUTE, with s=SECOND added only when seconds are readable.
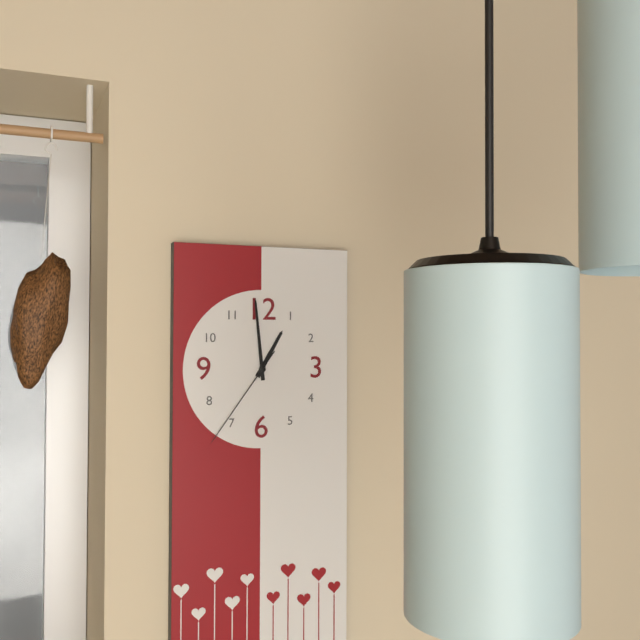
h=12 m=59 s=36
